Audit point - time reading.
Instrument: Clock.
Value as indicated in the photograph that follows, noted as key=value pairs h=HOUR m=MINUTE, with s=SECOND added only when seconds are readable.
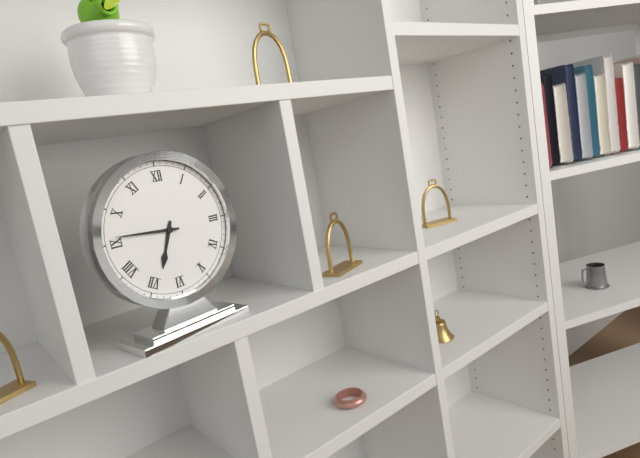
h=6 m=46
